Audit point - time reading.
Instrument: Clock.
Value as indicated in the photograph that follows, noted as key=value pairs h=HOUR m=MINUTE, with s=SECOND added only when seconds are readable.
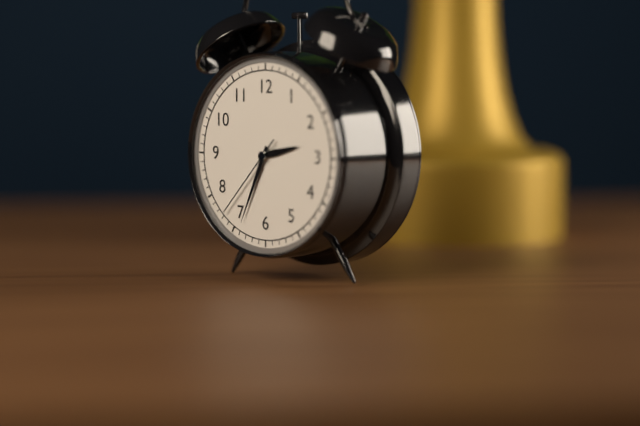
h=2 m=34 s=37
